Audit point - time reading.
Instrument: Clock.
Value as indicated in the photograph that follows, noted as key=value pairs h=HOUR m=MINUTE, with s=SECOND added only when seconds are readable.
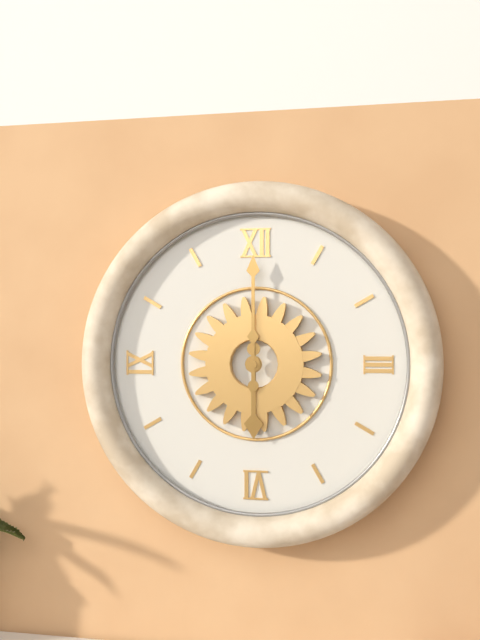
h=6 m=0
